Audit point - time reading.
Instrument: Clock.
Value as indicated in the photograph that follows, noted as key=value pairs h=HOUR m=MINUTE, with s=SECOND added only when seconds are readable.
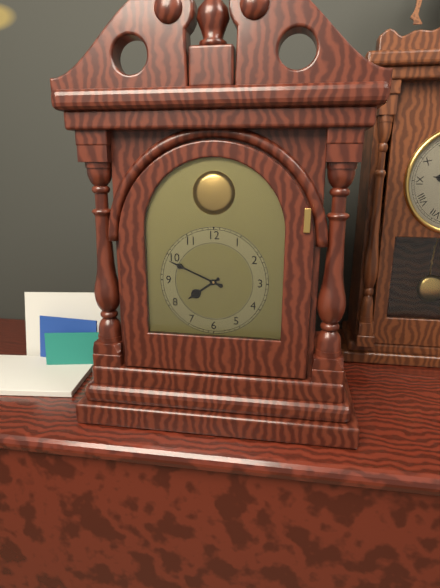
h=7 m=49
